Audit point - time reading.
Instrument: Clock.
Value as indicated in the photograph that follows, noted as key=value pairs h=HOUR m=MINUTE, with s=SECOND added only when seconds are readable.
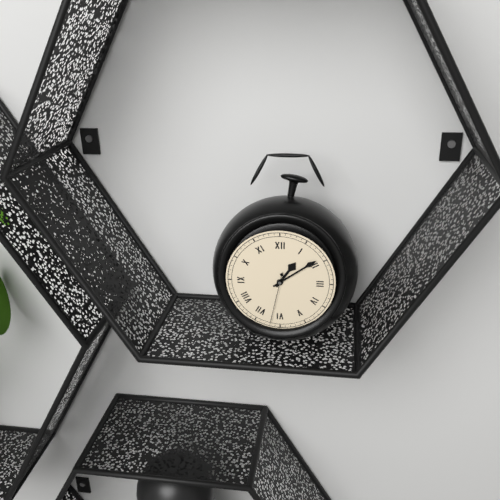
h=1 m=9 s=32
